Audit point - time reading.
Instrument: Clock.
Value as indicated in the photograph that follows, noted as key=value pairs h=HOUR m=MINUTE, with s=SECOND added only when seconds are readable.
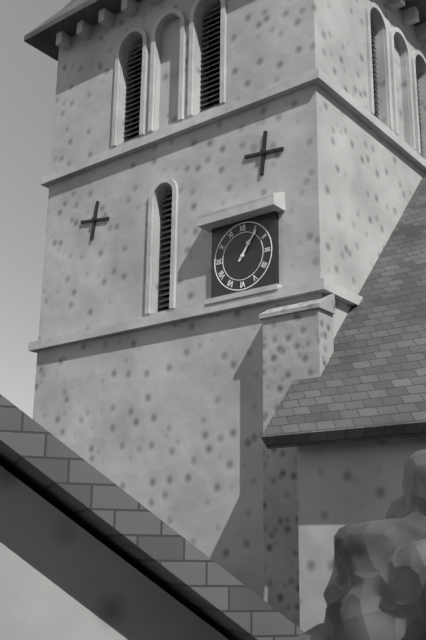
h=1 m=6
